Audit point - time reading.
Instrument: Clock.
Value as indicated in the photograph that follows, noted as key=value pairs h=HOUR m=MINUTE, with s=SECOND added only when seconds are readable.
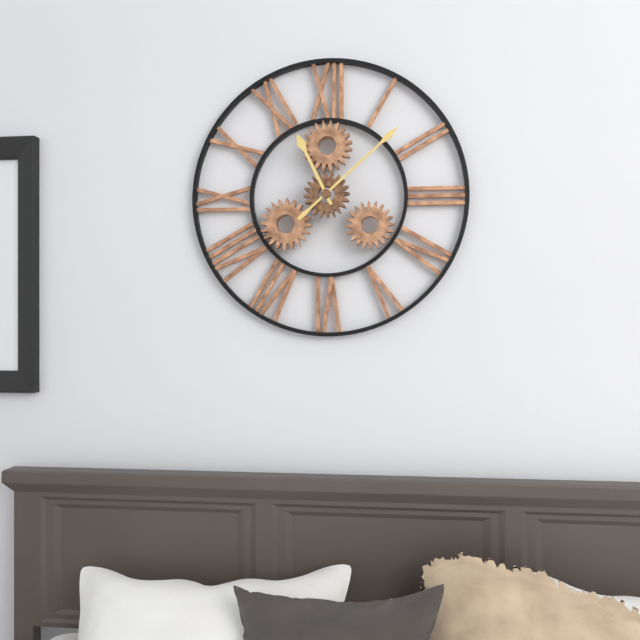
h=11 m=8
